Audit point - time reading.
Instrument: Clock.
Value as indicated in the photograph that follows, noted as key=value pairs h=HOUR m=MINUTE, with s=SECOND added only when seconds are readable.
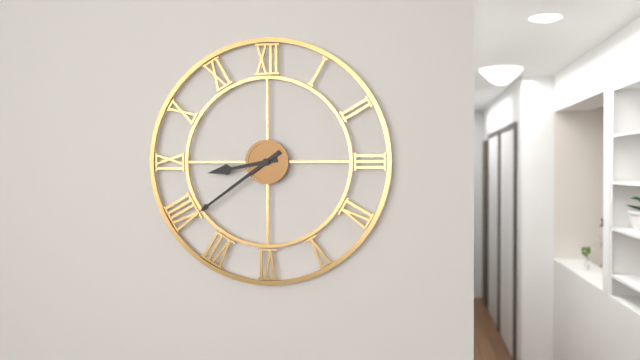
h=8 m=39
